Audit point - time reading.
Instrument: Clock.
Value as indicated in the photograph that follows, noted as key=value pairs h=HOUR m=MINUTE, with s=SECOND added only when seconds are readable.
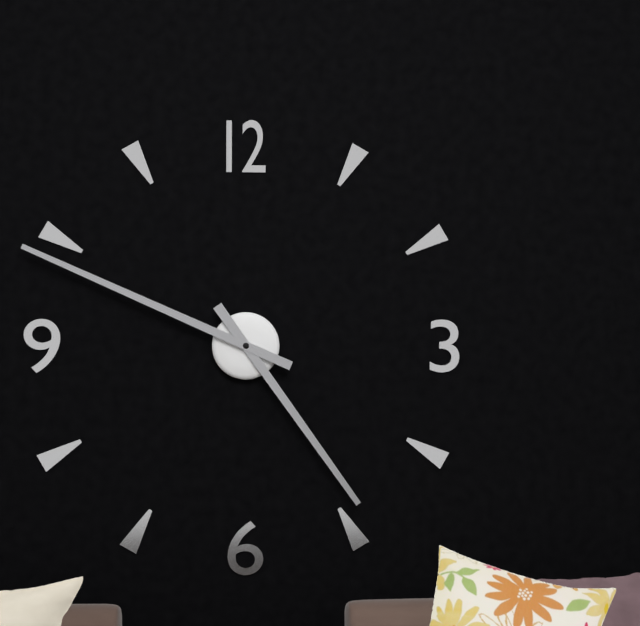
h=4 m=49
